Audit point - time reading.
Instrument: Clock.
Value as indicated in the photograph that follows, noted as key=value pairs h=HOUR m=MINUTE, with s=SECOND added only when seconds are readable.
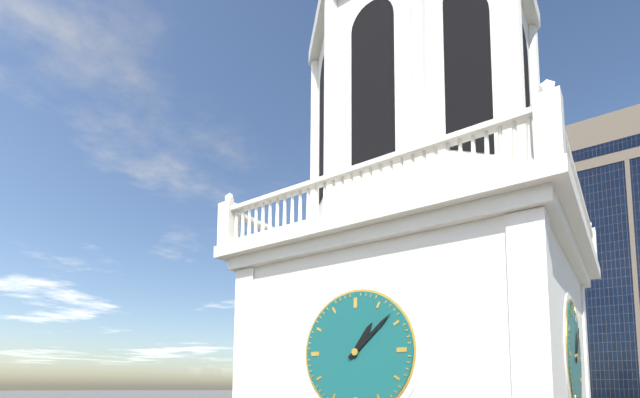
h=1 m=8
